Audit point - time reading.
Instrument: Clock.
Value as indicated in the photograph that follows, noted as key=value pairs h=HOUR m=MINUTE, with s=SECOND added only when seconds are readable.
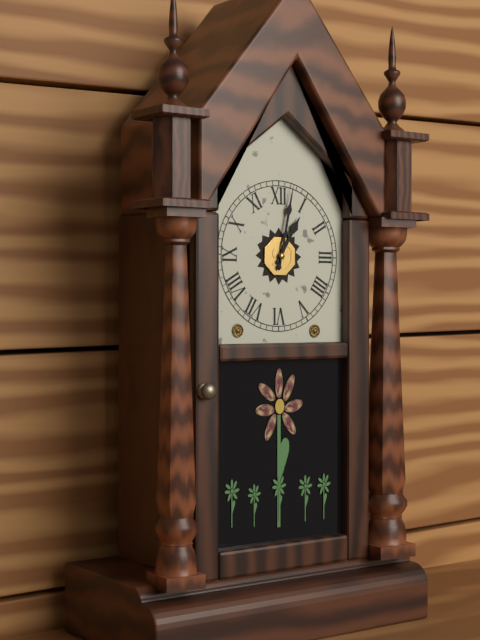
h=1 m=2
